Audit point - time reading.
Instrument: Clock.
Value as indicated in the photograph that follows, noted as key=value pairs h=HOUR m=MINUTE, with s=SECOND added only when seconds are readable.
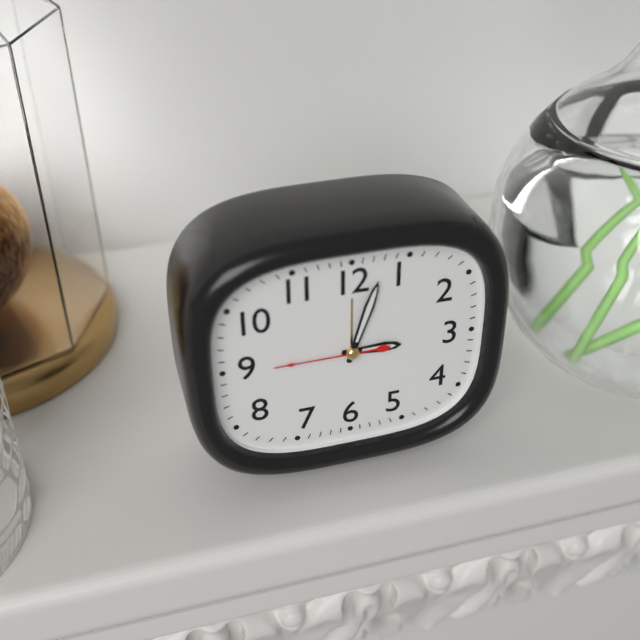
h=3 m=3 s=45
